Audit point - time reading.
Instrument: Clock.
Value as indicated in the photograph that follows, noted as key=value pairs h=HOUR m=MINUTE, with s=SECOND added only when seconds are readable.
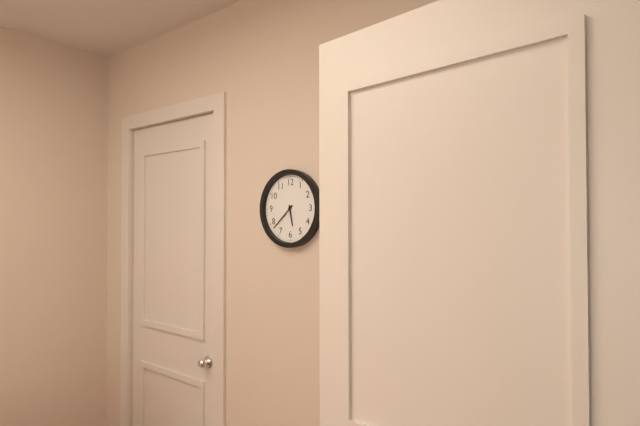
h=5 m=38
